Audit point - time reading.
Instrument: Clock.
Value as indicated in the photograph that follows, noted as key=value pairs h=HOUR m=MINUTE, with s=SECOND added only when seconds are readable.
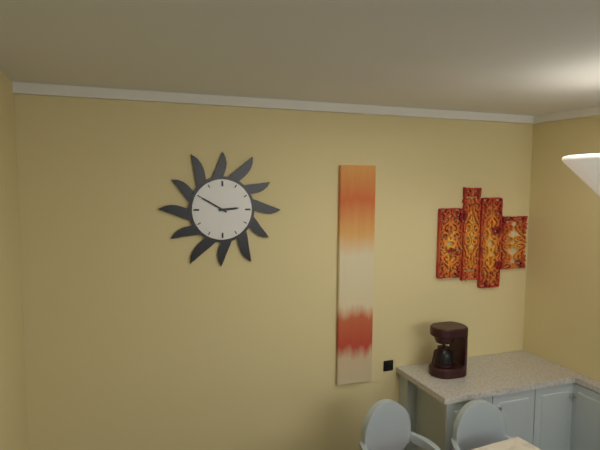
h=2 m=50
